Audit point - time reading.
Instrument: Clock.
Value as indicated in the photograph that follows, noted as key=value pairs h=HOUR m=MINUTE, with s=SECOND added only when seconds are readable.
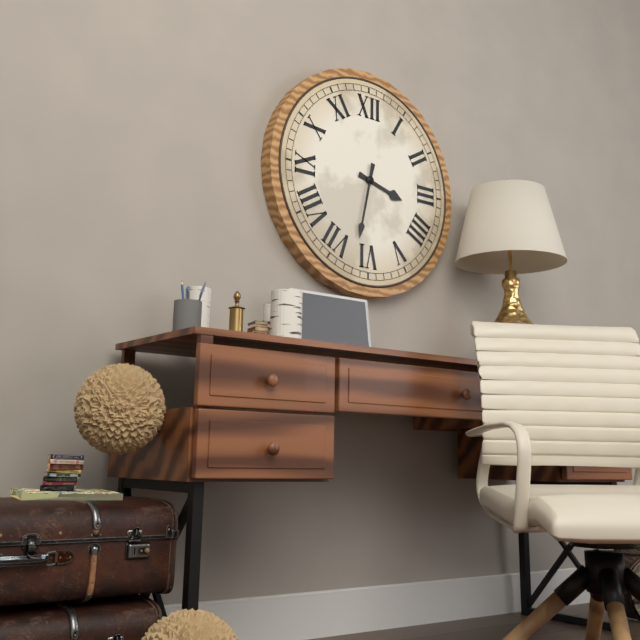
h=3 m=32
